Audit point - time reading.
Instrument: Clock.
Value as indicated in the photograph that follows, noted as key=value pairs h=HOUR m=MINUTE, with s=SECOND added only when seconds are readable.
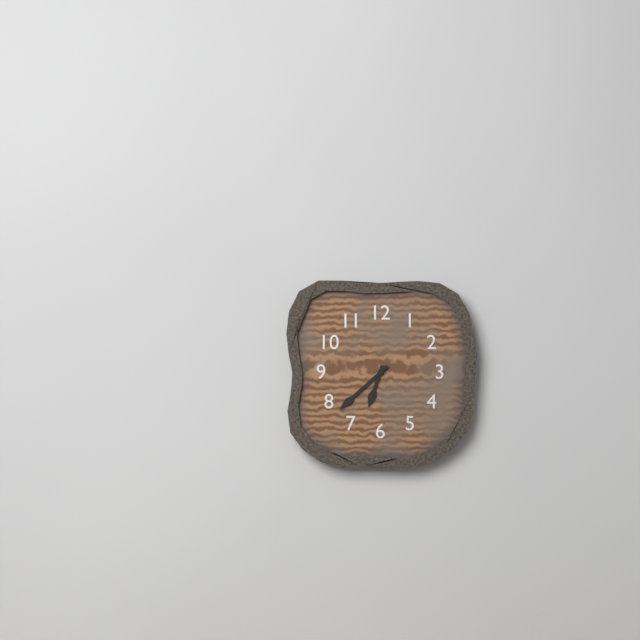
h=6 m=38
